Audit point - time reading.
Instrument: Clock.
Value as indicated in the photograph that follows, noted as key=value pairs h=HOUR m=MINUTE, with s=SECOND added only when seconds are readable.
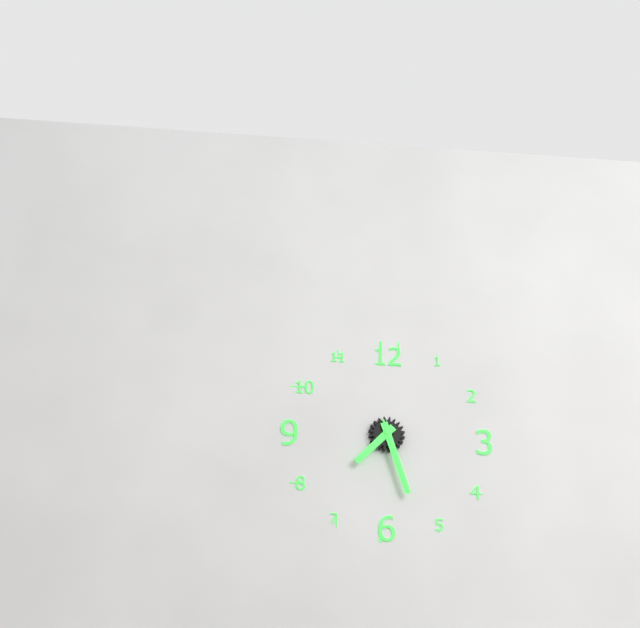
h=7 m=27 s=27
